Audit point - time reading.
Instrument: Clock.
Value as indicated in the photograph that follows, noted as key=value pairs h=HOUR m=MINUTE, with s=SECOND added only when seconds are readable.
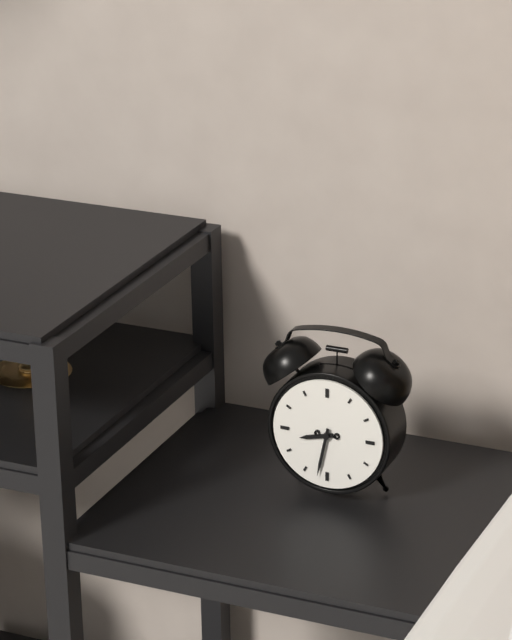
h=8 m=32
